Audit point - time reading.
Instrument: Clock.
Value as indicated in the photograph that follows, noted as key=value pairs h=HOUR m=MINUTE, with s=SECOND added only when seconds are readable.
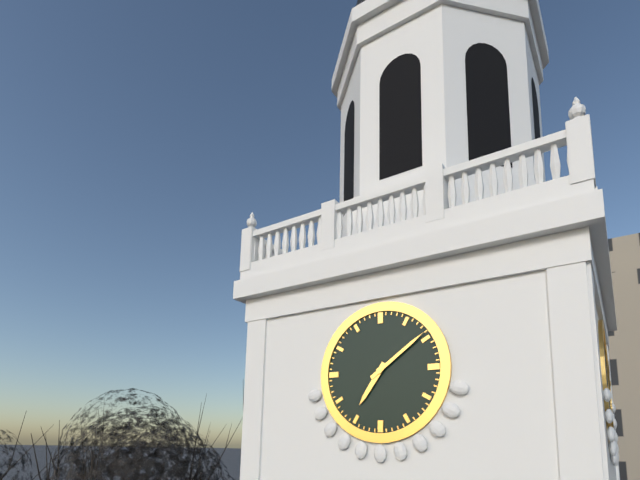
h=7 m=9
